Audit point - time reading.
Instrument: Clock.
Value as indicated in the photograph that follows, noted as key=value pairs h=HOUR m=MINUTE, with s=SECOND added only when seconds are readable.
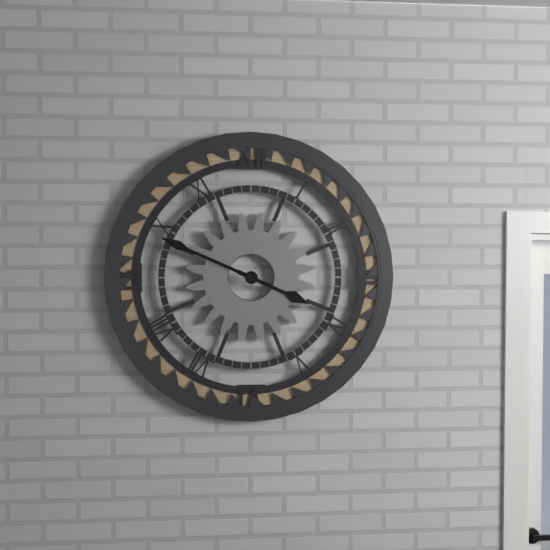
h=3 m=49
